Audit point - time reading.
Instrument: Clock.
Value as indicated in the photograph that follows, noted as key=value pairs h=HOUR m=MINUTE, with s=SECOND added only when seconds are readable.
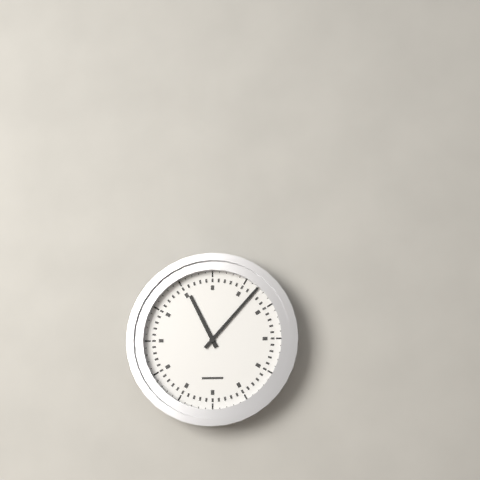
h=11 m=7
